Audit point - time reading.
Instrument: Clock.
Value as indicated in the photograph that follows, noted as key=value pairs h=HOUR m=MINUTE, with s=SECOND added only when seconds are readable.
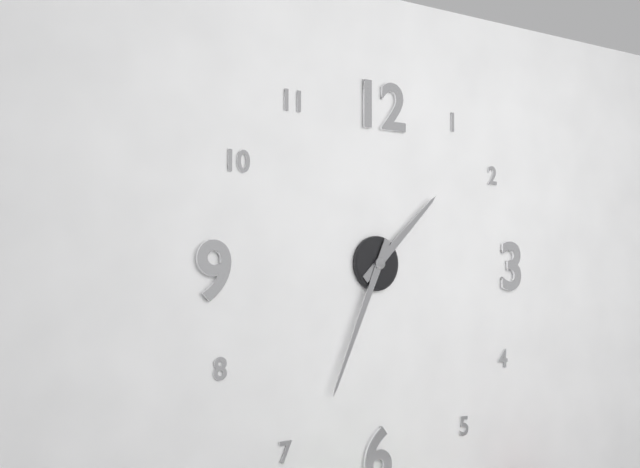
h=1 m=34
